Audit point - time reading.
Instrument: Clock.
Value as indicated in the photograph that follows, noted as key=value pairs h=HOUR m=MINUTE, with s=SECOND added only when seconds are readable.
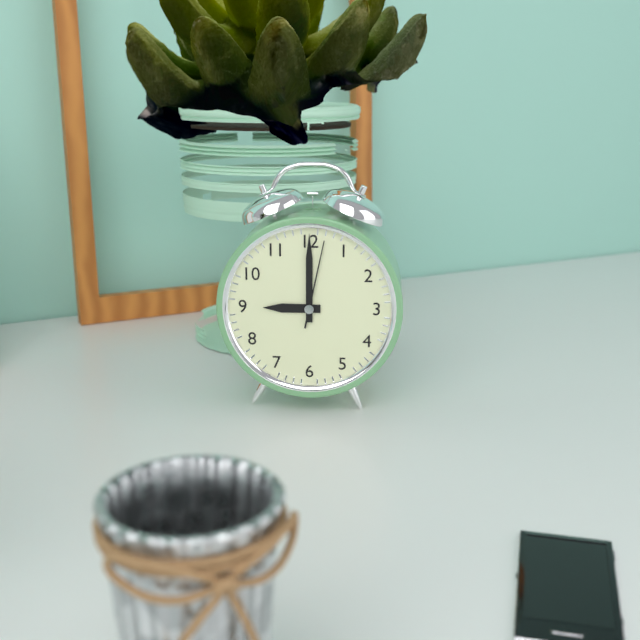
h=9 m=0 s=2
